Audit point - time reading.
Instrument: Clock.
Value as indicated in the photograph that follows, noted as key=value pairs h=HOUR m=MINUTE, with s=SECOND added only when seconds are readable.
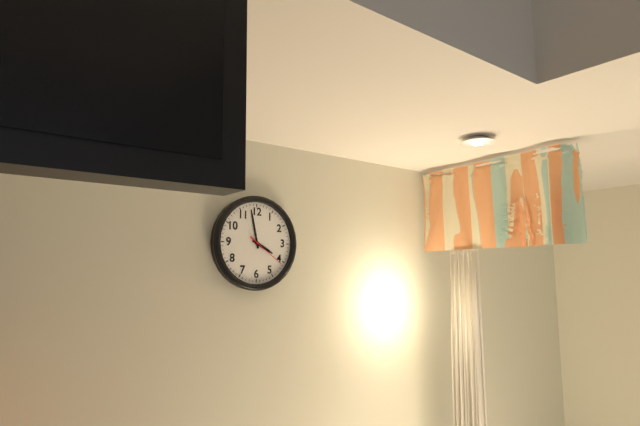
h=3 m=58
